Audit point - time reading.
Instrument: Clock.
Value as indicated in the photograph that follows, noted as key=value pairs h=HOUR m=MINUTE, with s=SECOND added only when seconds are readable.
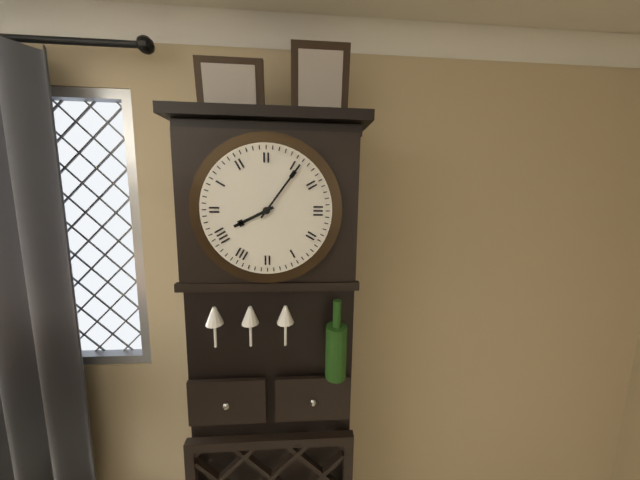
h=8 m=6
